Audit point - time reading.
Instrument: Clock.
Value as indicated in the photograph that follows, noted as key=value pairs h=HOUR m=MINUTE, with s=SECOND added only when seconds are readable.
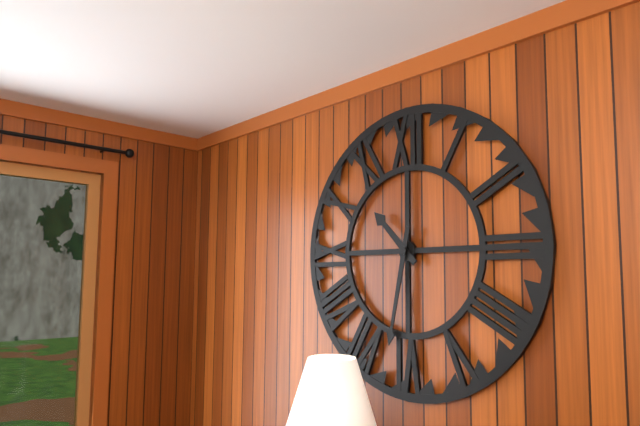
h=10 m=32
